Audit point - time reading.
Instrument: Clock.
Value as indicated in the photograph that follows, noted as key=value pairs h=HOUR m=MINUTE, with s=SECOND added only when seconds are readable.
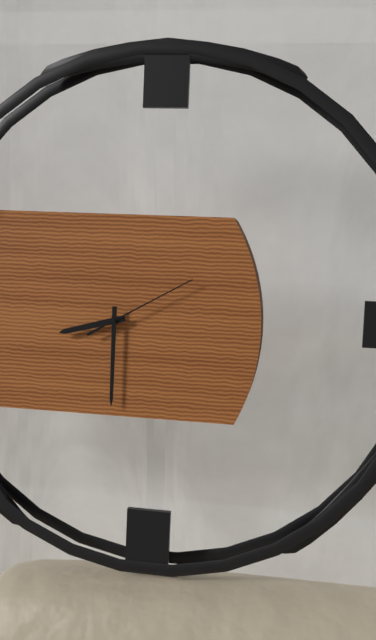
h=8 m=30 s=10
